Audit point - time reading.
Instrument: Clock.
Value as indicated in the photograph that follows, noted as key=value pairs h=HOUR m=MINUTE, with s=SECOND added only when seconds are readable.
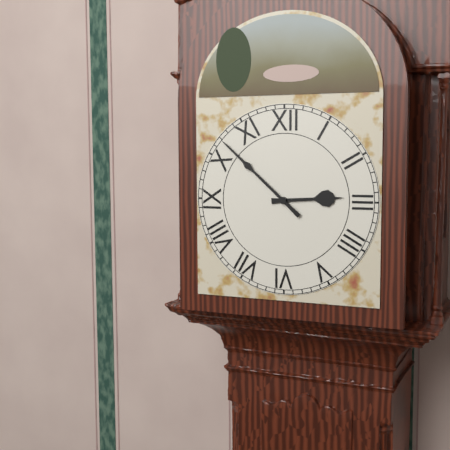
h=2 m=52
